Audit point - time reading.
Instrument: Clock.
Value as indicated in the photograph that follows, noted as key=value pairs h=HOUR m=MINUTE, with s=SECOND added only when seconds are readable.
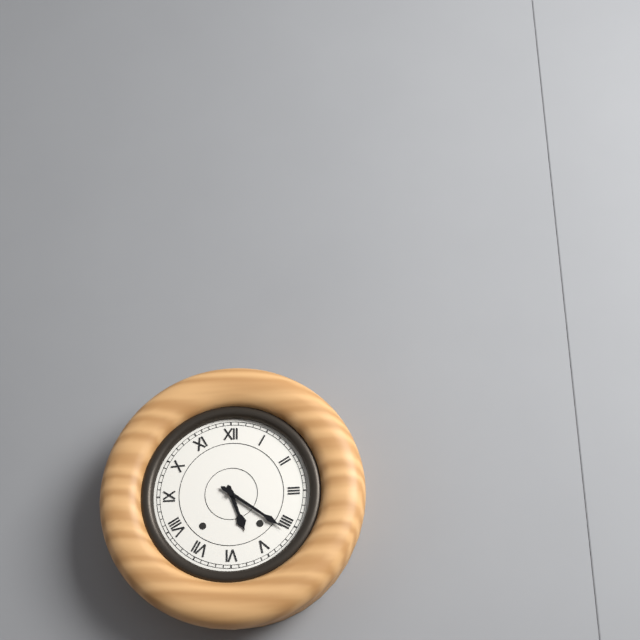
h=5 m=21
